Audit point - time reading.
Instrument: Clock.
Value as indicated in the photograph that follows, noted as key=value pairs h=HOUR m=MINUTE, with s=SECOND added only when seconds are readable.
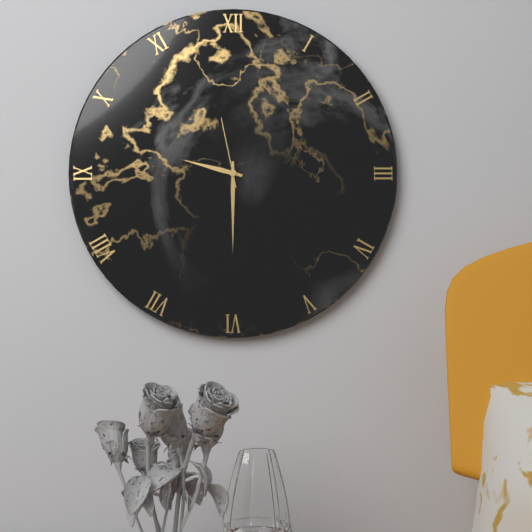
h=9 m=30 s=58
